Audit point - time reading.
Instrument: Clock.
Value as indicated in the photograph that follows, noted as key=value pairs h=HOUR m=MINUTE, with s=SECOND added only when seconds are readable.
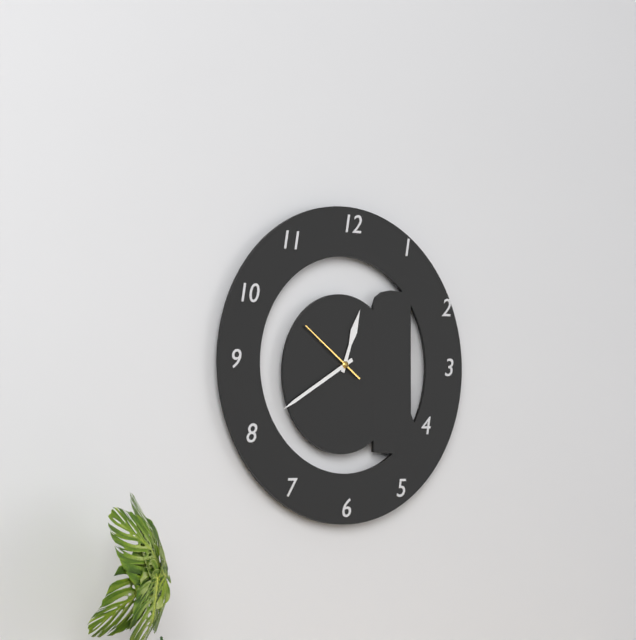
h=12 m=40 s=51
